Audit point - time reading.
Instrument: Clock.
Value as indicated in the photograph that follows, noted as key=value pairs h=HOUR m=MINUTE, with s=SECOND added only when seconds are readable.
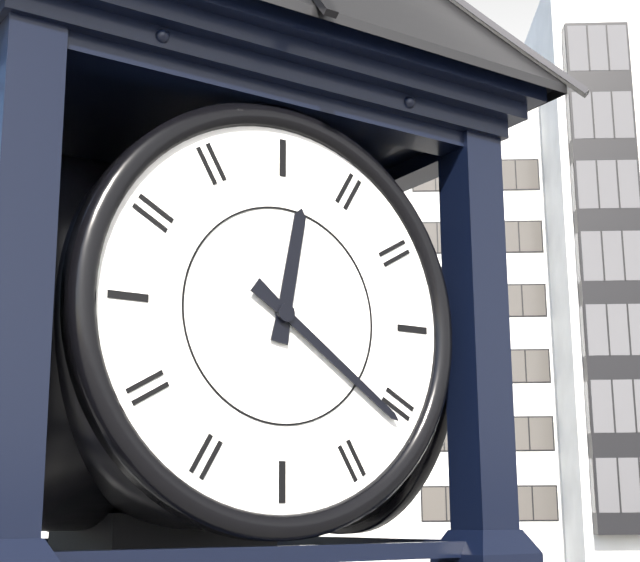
h=12 m=21
